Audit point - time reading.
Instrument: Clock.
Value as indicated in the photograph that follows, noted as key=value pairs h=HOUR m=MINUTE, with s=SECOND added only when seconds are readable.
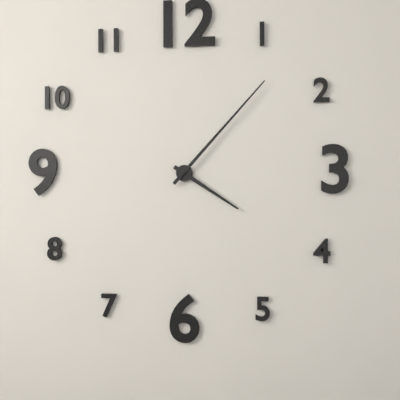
h=4 m=7
